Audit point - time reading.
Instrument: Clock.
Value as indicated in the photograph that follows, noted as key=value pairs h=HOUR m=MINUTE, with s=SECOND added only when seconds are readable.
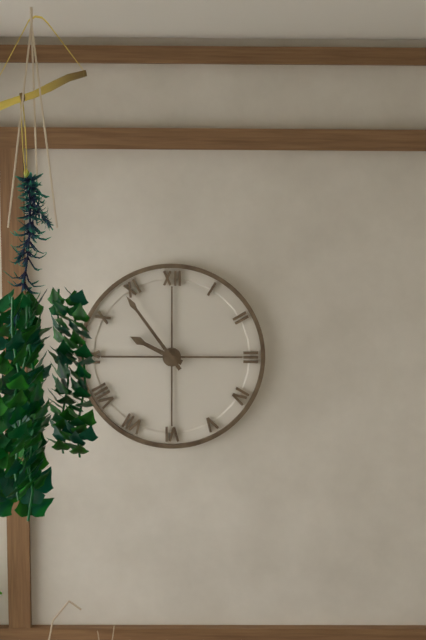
h=9 m=54
